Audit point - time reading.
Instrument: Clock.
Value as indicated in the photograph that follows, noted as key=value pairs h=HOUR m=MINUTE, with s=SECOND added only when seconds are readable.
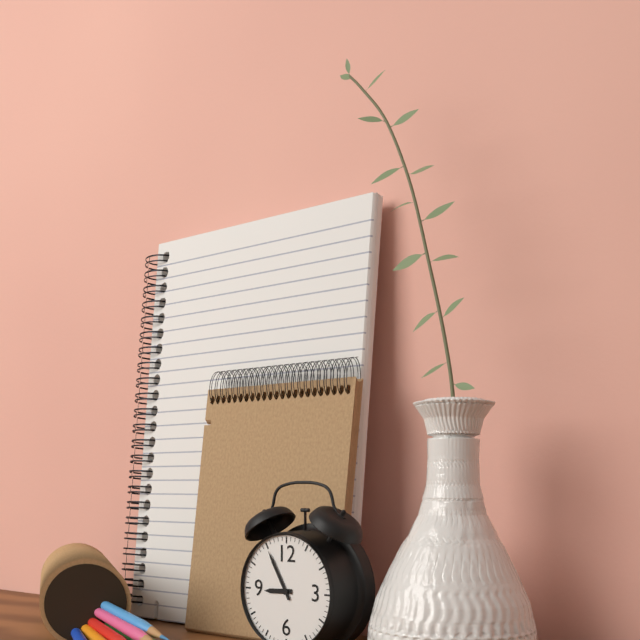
h=8 m=55
